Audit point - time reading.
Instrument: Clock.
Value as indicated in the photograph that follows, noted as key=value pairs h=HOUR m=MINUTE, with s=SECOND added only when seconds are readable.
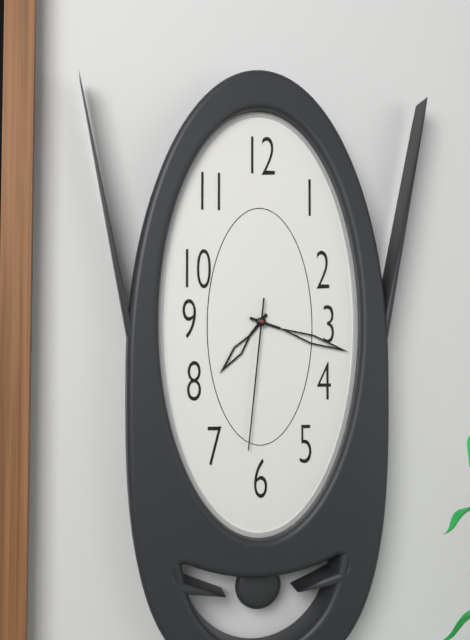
h=7 m=18 s=31
